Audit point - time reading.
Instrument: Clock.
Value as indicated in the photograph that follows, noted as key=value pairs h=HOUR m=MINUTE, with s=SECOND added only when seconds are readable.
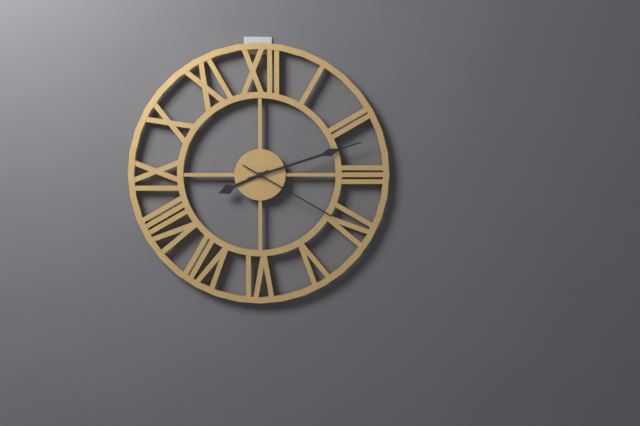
h=8 m=12 s=20
